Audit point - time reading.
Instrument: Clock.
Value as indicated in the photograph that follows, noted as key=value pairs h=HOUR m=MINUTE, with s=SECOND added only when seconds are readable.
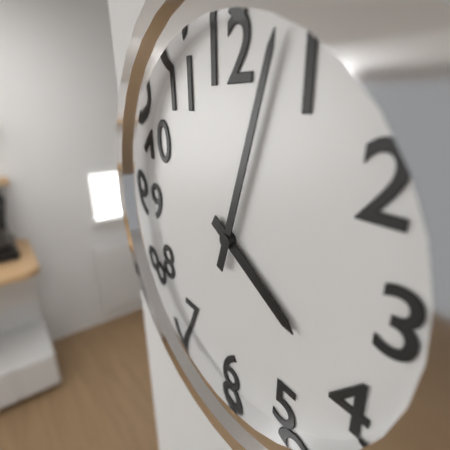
h=4 m=3
